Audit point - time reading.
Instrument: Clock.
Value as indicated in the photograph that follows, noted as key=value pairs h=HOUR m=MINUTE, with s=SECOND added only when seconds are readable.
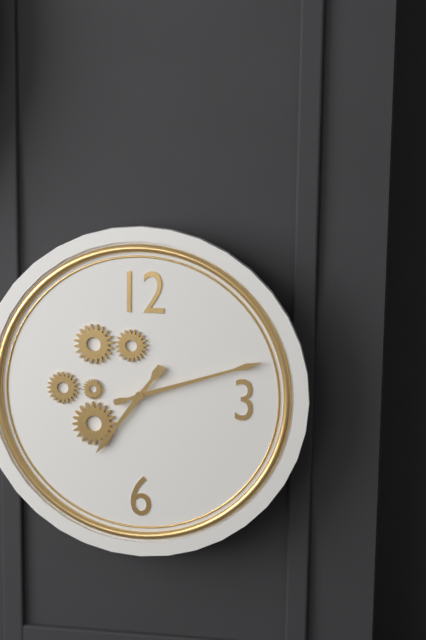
h=7 m=12
